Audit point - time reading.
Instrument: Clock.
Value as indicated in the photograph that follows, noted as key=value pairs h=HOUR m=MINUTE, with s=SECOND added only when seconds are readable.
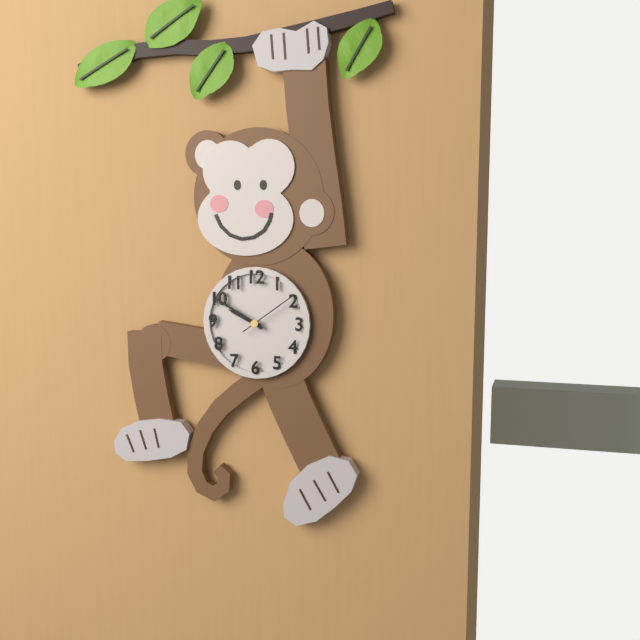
h=9 m=50 s=9
